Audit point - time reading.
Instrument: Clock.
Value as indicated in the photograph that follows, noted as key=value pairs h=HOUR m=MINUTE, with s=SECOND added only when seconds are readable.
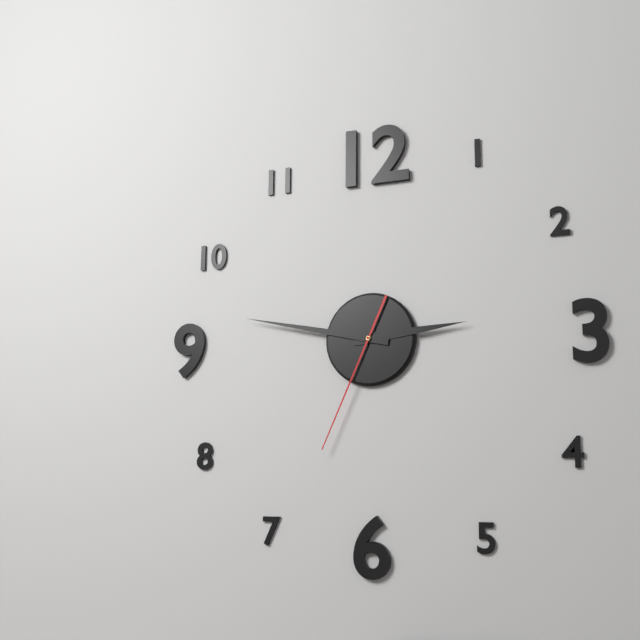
h=2 m=47 s=34
